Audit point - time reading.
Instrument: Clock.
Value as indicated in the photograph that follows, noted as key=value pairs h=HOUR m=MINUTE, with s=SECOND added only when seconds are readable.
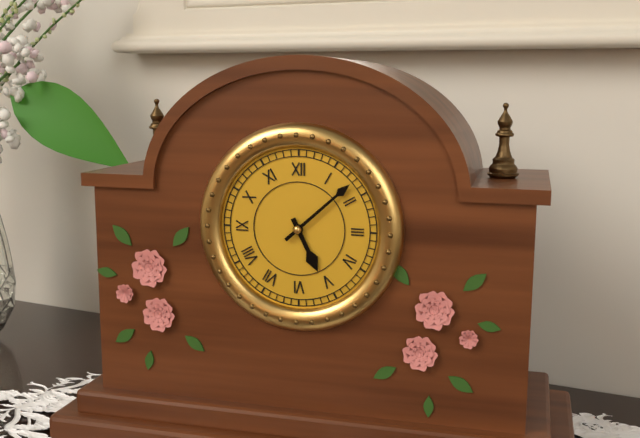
h=5 m=8
